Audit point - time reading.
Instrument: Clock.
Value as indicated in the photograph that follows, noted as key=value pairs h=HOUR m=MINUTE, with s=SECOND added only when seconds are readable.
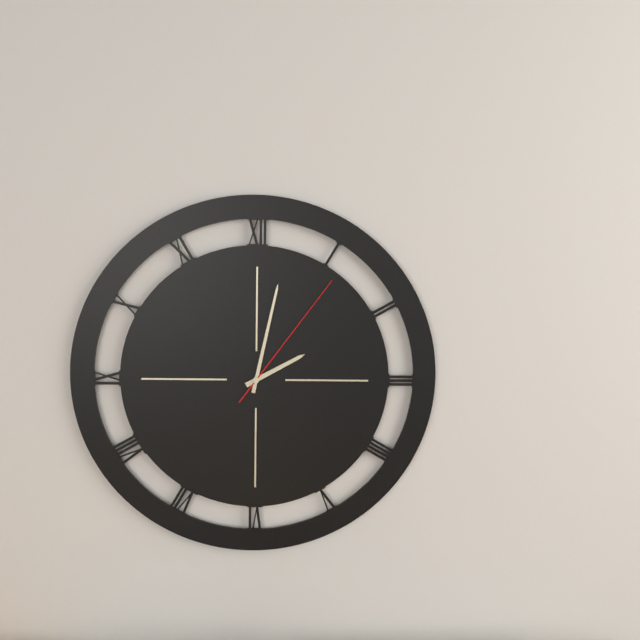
h=2 m=2 s=6
